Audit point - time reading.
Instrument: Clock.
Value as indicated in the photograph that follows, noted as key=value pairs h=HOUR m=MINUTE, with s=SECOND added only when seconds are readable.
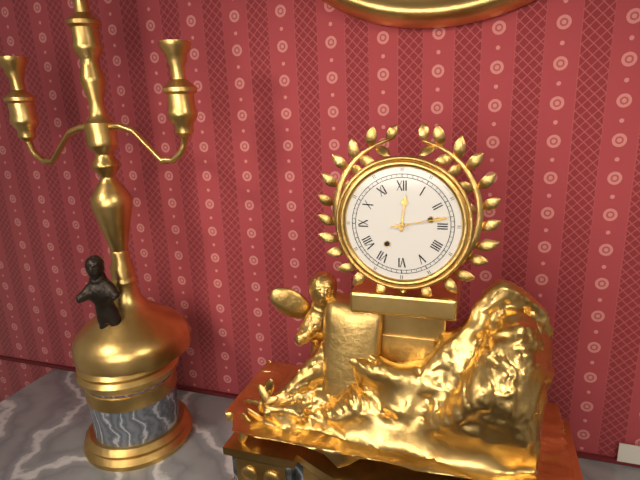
h=12 m=13
